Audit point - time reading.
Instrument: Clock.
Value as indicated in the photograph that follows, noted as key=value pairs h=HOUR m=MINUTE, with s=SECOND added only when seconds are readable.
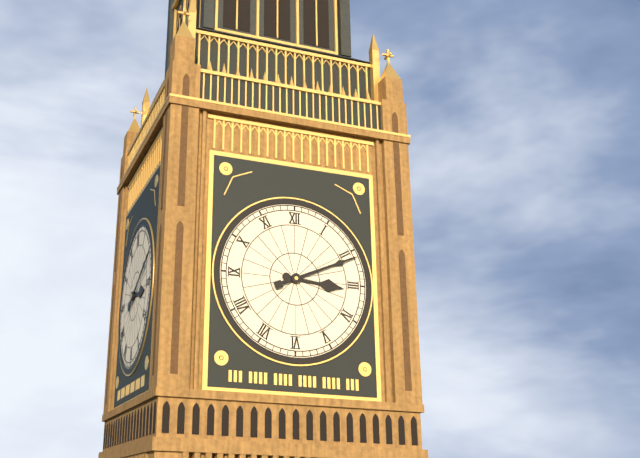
h=3 m=11
